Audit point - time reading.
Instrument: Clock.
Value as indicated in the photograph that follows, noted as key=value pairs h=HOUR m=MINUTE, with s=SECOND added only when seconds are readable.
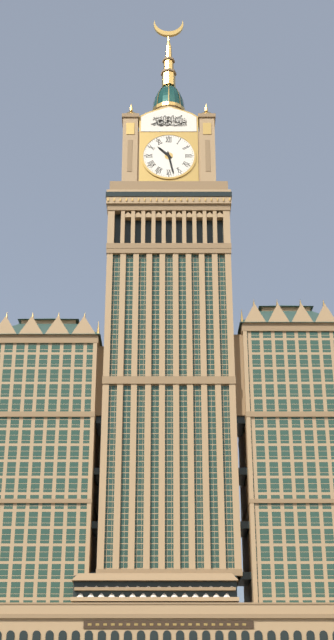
h=10 m=28
